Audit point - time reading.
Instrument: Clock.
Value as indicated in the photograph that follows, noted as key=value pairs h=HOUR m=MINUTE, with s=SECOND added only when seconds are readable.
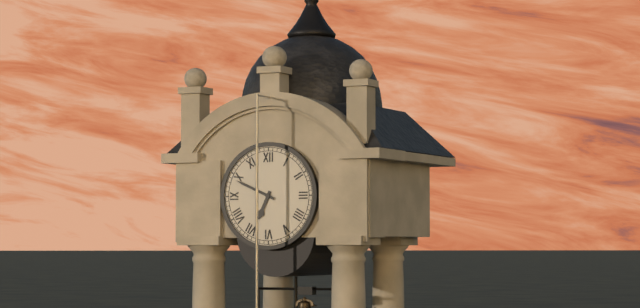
h=6 m=49
